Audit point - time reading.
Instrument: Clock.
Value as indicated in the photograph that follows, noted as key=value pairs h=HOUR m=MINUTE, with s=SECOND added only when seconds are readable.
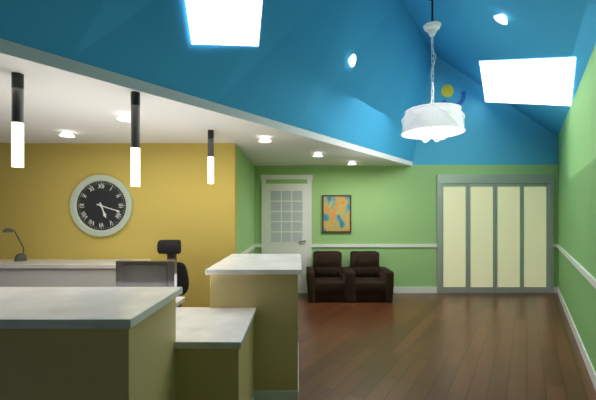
h=5 m=18
